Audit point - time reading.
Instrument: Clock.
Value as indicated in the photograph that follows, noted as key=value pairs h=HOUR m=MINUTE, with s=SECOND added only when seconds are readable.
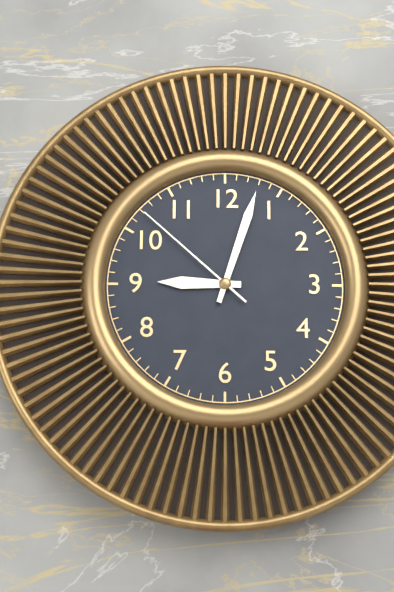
h=9 m=3 s=52
